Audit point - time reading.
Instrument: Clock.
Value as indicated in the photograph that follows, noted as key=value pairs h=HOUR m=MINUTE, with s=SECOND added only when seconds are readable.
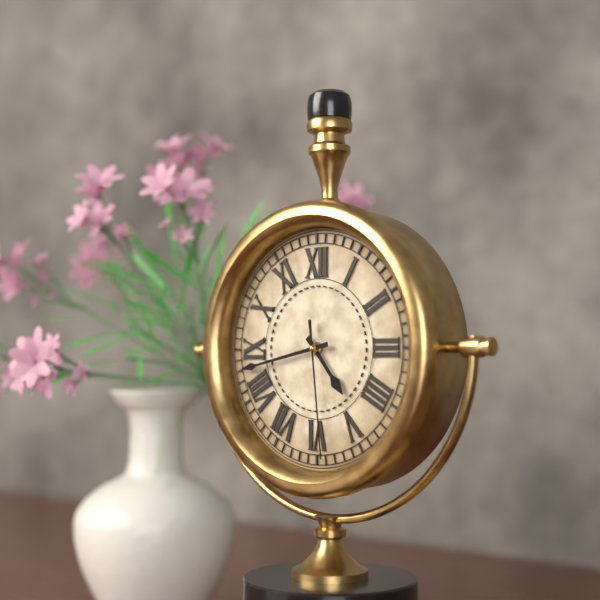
h=4 m=43 s=29
